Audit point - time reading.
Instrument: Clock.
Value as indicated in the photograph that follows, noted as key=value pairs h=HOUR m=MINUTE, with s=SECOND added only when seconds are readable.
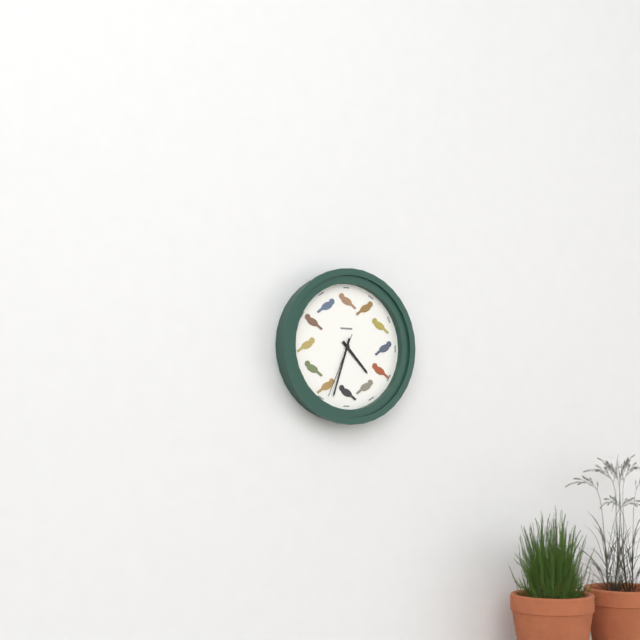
h=4 m=33 s=34
